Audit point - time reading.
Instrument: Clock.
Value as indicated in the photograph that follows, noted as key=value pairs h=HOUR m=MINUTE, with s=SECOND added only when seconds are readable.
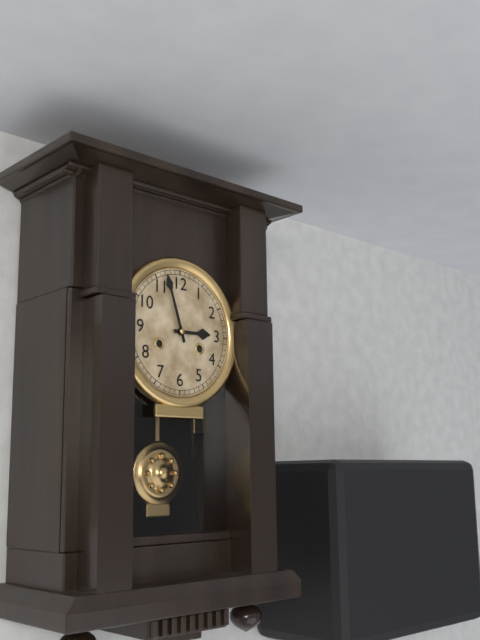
h=2 m=57
